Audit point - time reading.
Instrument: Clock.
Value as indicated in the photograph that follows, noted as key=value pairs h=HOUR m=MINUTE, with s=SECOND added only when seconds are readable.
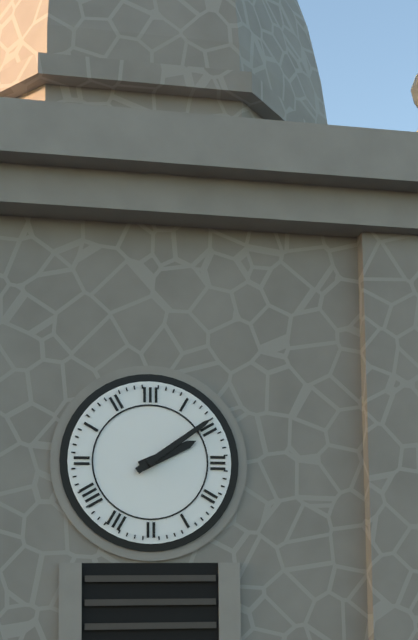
h=2 m=9
